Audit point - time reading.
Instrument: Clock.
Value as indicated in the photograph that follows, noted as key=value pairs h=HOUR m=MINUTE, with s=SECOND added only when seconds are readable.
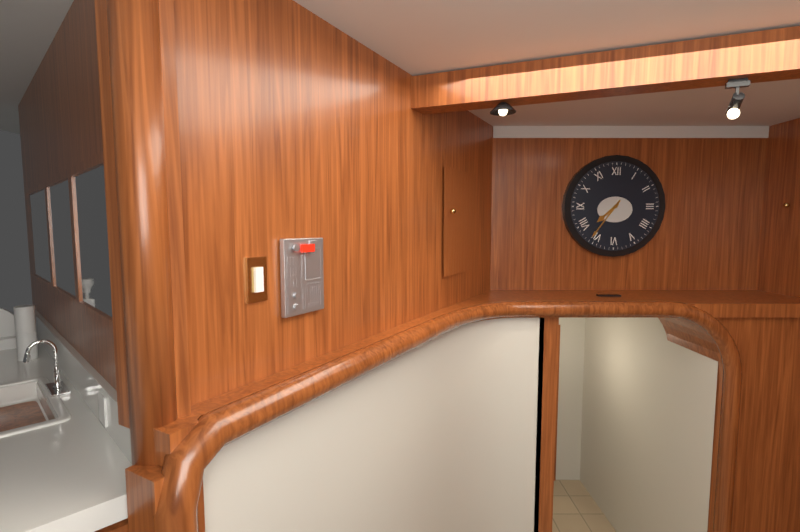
h=7 m=36
